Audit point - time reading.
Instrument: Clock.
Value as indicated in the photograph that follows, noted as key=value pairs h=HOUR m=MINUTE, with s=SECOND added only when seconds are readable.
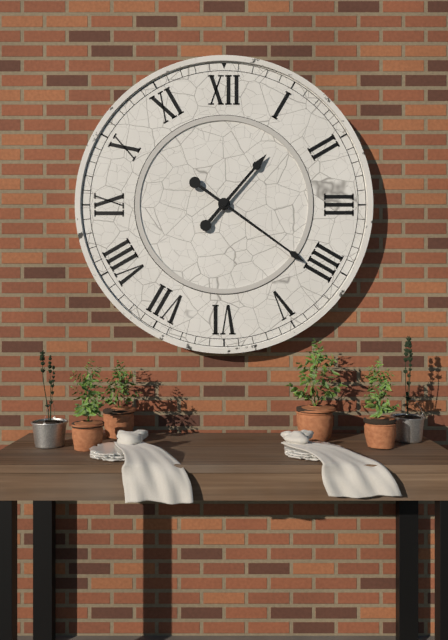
h=1 m=21
